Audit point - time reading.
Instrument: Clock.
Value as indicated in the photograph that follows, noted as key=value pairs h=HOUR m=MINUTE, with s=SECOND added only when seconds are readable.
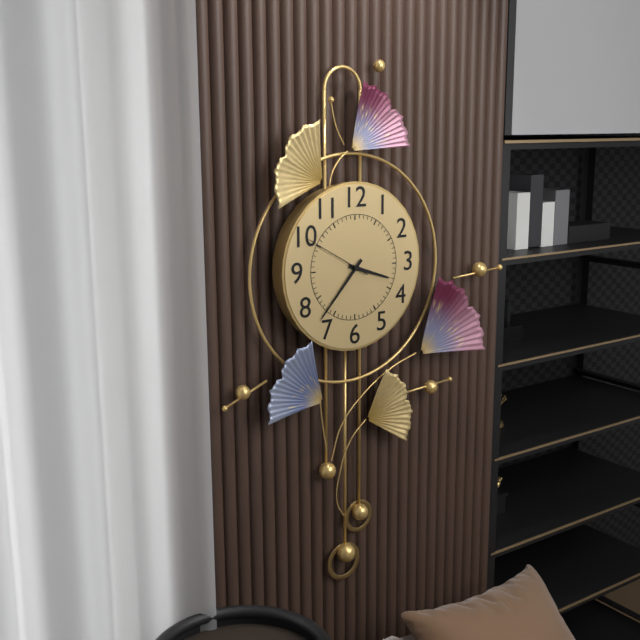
h=3 m=37 s=50
